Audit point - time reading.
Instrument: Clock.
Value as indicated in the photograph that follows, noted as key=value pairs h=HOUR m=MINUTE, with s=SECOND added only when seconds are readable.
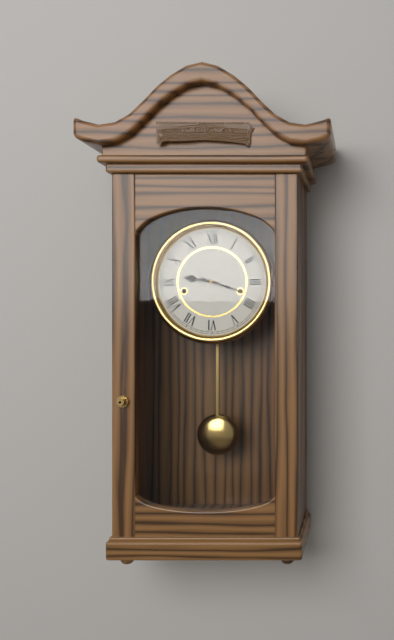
h=9 m=18
